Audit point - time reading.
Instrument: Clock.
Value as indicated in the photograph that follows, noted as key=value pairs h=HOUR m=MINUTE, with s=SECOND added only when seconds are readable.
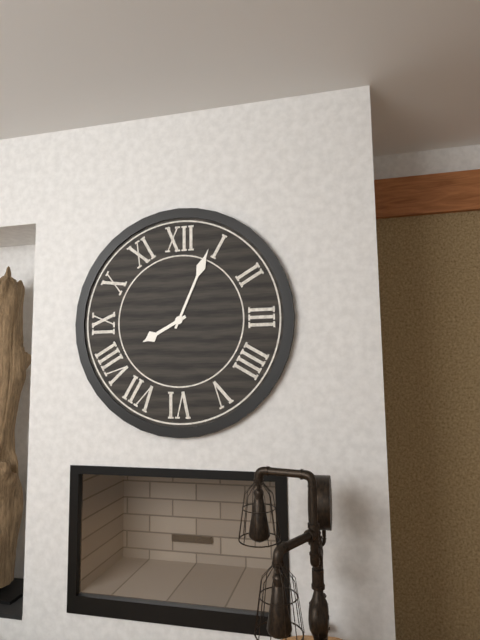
h=8 m=4
